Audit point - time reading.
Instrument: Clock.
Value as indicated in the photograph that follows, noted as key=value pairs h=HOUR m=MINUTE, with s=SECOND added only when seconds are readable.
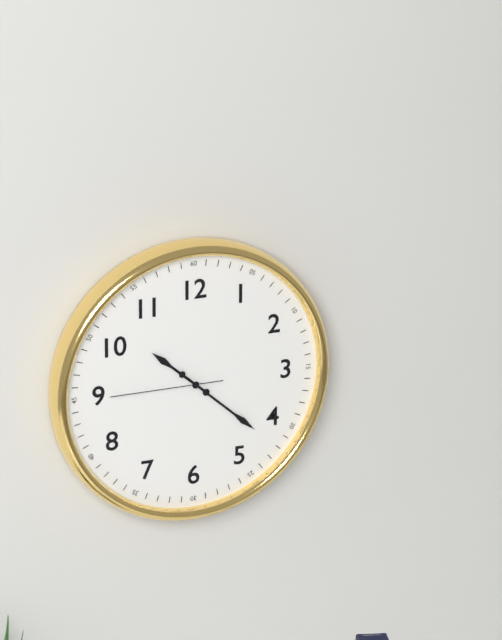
h=10 m=22 s=45
